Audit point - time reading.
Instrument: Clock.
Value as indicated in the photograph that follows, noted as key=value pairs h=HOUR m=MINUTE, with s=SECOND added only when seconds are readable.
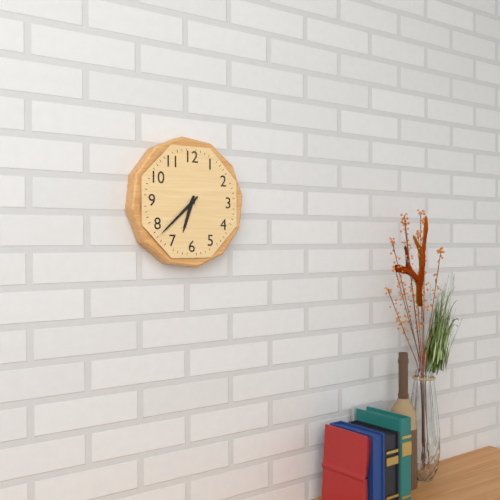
h=6 m=38
